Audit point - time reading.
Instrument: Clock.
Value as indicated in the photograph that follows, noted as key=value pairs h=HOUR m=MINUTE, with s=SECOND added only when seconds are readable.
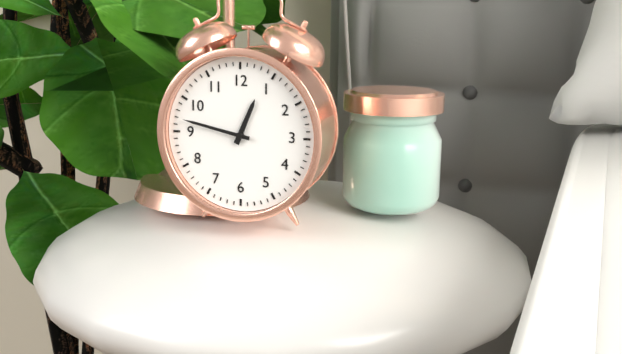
h=12 m=47
